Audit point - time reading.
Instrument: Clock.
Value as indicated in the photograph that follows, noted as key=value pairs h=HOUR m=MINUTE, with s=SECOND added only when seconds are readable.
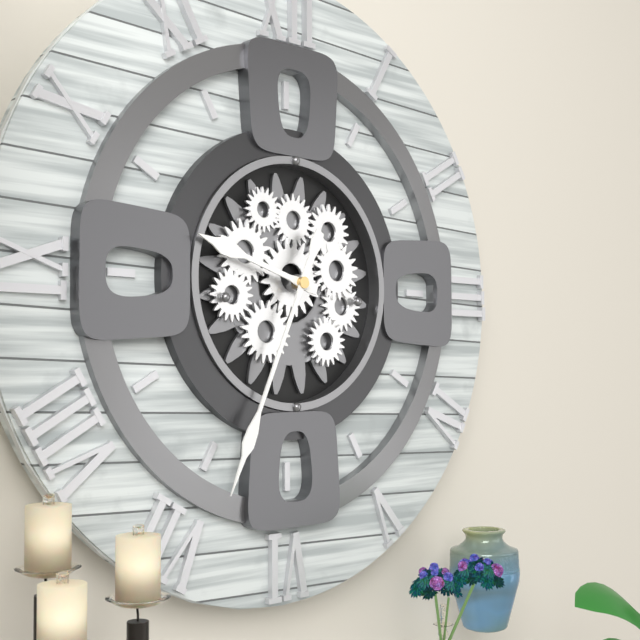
h=9 m=34
